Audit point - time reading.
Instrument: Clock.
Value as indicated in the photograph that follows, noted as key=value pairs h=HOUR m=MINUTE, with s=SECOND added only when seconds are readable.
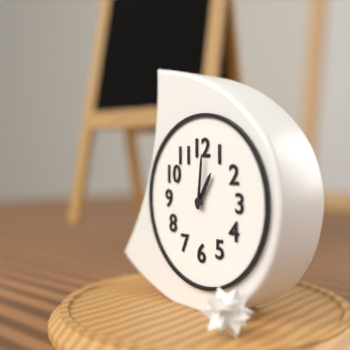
h=1 m=1
